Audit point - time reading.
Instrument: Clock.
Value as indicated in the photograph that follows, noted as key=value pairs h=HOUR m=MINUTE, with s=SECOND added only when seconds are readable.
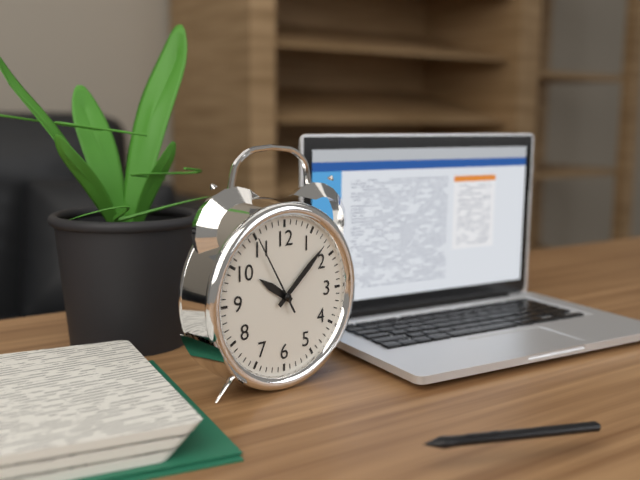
h=10 m=8 s=55
